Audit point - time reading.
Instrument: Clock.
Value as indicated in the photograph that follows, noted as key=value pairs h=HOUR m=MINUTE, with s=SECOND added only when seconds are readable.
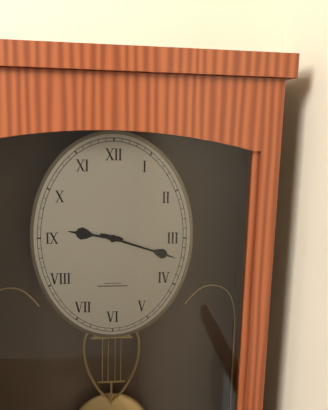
h=9 m=18
